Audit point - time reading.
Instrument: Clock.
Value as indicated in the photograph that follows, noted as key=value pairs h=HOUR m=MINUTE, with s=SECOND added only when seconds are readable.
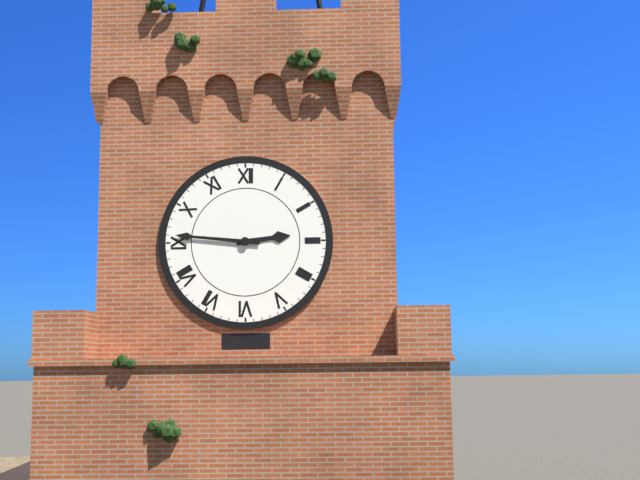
h=2 m=46
